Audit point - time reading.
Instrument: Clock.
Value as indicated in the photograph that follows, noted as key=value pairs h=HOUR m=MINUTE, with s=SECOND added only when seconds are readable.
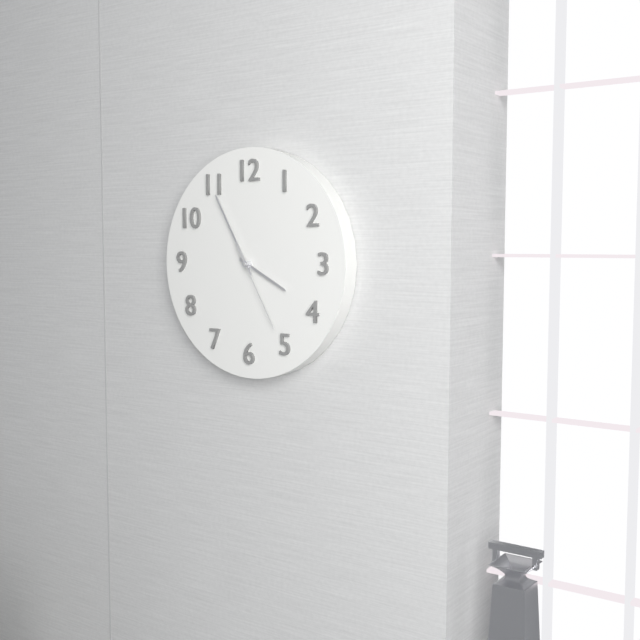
h=3 m=55 s=25
